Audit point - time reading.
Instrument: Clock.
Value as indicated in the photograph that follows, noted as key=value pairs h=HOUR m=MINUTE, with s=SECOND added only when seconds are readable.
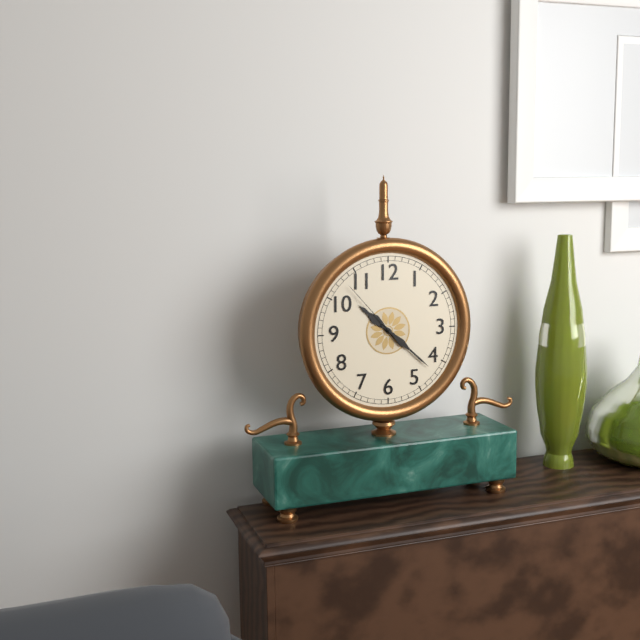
h=10 m=22 s=53
